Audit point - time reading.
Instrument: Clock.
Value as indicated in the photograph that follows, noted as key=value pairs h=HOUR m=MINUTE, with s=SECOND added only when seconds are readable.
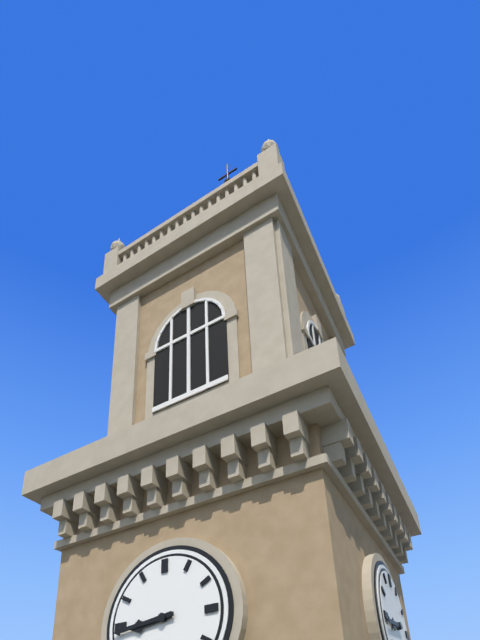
h=8 m=44
